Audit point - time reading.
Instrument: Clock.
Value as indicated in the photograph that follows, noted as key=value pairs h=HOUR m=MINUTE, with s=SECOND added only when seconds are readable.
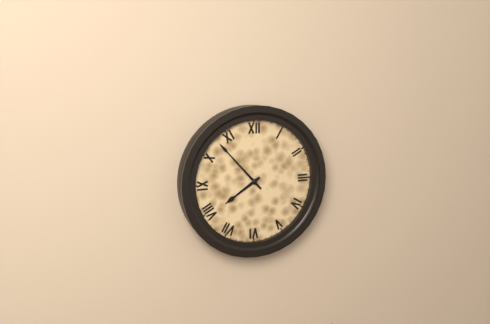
h=7 m=53
